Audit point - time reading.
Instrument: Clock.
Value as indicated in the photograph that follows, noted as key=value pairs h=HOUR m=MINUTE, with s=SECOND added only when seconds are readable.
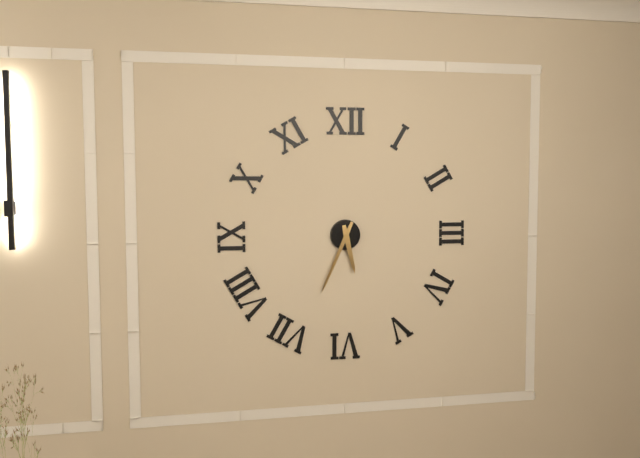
h=5 m=34
